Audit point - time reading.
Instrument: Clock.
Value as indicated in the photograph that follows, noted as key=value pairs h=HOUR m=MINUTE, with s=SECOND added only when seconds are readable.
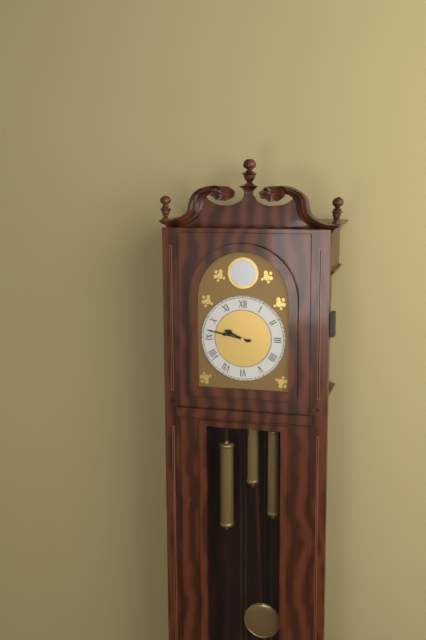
h=9 m=47
